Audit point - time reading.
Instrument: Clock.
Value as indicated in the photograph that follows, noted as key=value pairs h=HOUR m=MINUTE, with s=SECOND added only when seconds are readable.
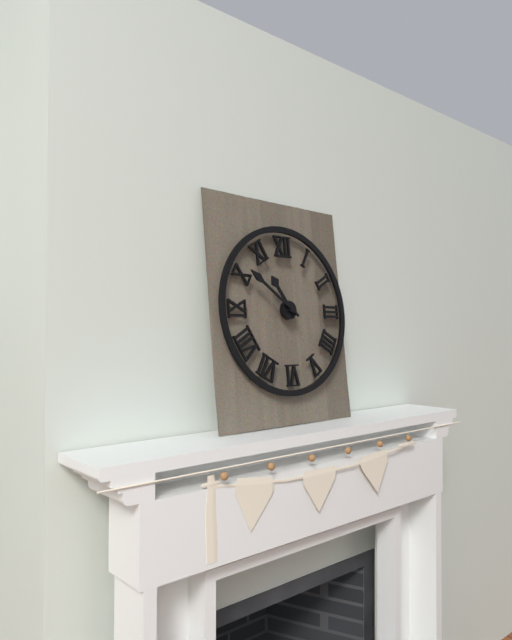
h=10 m=51
